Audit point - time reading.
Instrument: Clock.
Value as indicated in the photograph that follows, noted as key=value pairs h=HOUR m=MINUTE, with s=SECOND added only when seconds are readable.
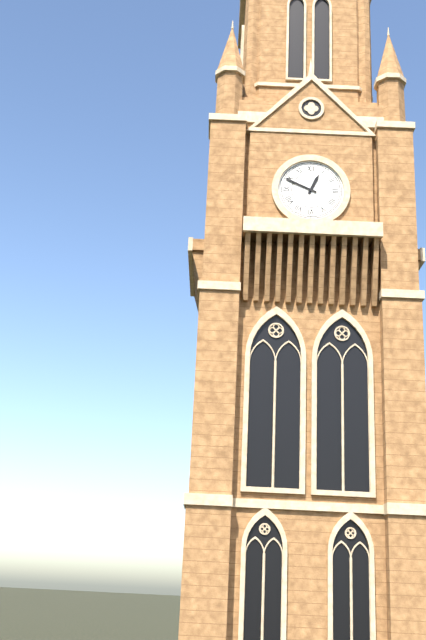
h=12 m=49
